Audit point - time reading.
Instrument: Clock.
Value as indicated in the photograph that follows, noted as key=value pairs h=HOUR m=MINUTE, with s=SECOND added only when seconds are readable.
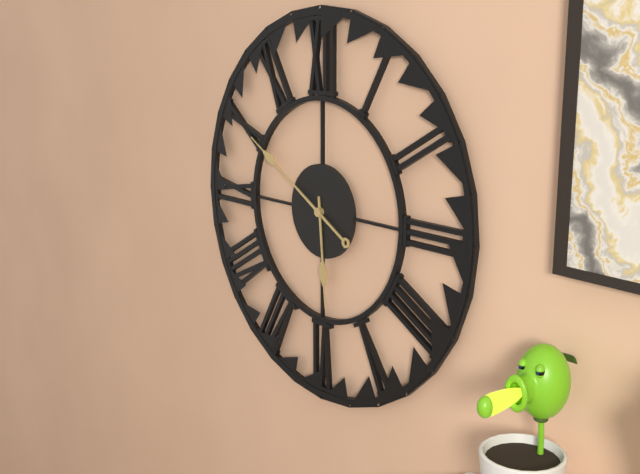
h=5 m=50
